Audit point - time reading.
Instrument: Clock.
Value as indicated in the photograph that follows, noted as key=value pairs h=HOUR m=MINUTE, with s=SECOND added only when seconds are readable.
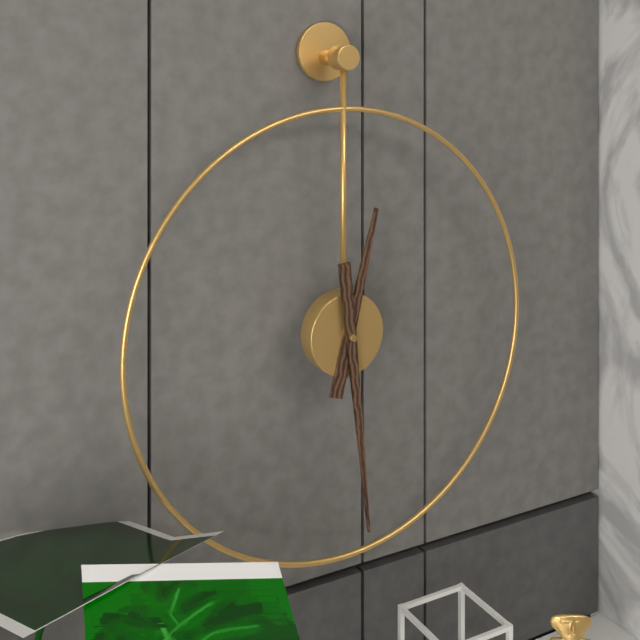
h=12 m=29
